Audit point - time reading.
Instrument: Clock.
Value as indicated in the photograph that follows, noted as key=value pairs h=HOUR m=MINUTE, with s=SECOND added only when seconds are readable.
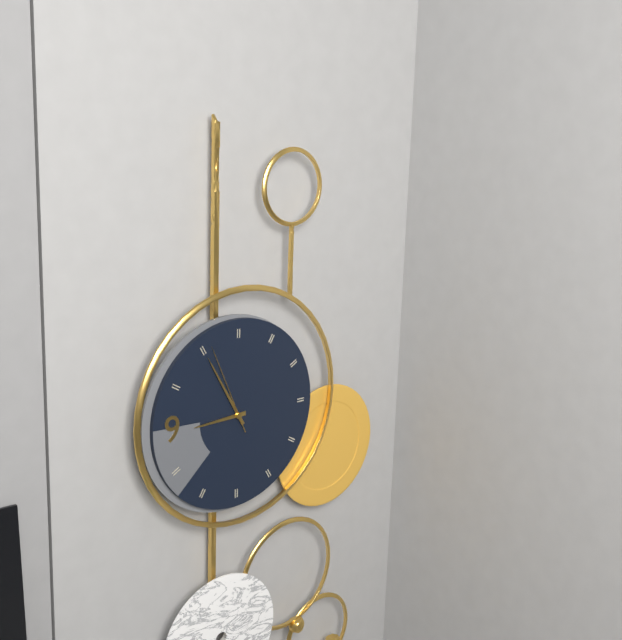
h=8 m=55 s=56
